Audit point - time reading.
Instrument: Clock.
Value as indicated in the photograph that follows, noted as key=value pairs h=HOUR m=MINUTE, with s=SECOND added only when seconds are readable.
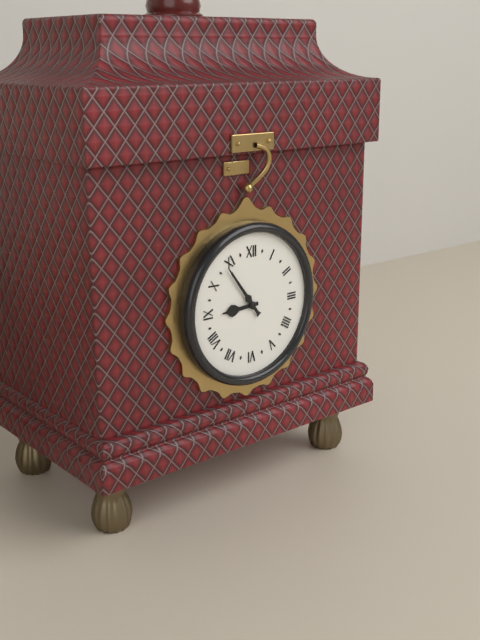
h=8 m=54
